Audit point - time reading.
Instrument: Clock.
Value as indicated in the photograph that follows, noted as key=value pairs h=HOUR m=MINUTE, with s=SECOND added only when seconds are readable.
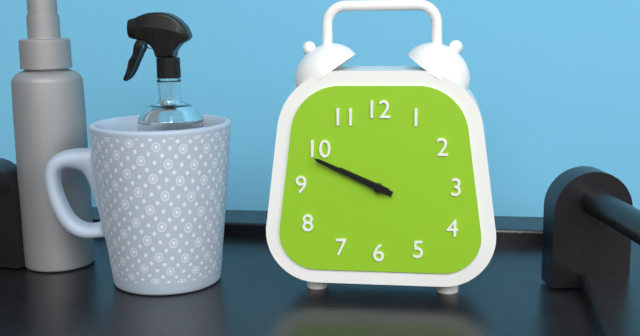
h=9 m=49
